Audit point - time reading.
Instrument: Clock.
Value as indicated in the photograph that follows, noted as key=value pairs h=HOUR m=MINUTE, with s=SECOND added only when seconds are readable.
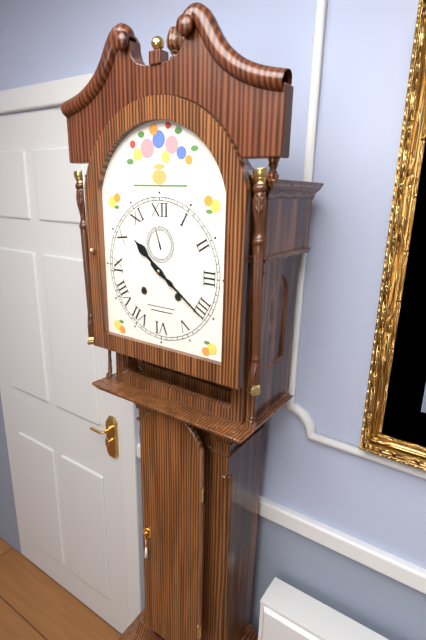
h=10 m=21
